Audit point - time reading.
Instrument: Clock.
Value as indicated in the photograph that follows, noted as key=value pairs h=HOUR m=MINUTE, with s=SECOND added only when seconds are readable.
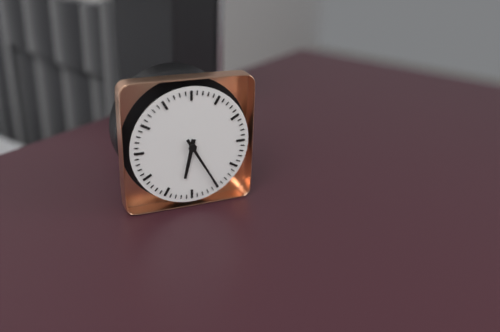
h=6 m=25
